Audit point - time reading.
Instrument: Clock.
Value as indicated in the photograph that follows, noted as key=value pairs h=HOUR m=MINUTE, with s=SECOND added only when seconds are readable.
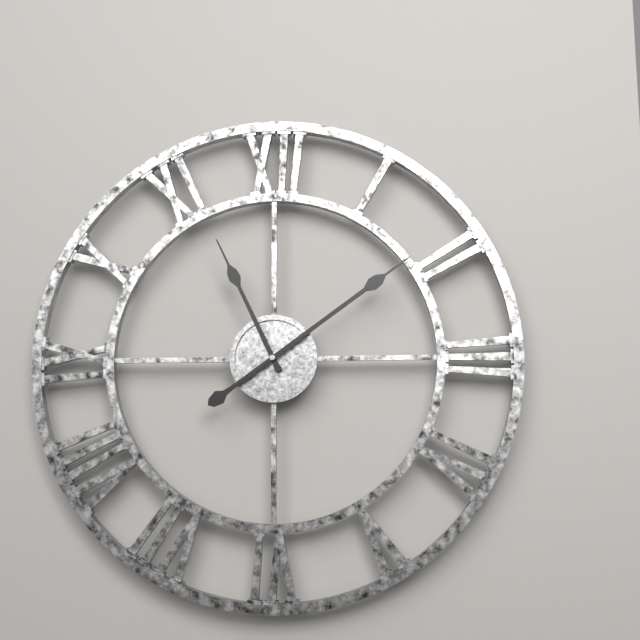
h=11 m=9
